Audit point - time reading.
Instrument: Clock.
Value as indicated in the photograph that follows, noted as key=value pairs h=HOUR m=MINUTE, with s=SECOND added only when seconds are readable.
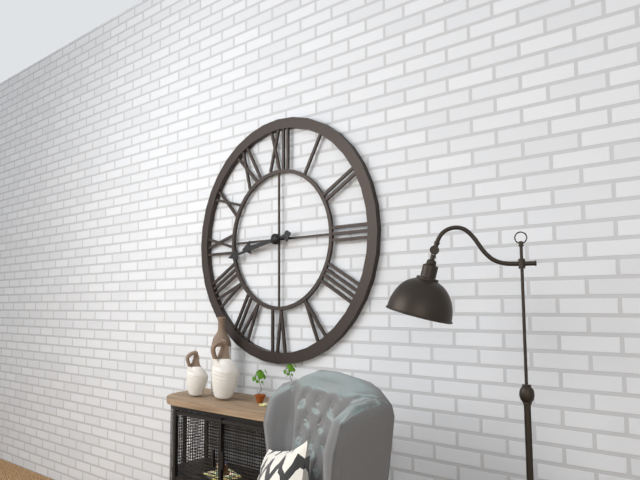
h=8 m=43
